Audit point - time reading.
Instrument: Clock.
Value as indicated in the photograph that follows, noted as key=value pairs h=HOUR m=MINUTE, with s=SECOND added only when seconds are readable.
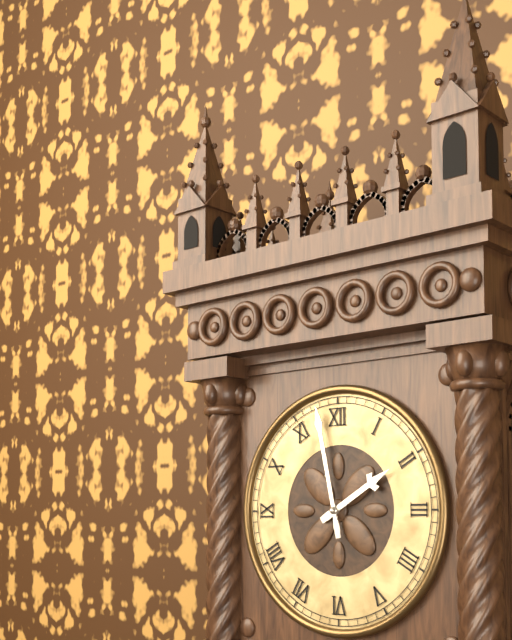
h=1 m=58
